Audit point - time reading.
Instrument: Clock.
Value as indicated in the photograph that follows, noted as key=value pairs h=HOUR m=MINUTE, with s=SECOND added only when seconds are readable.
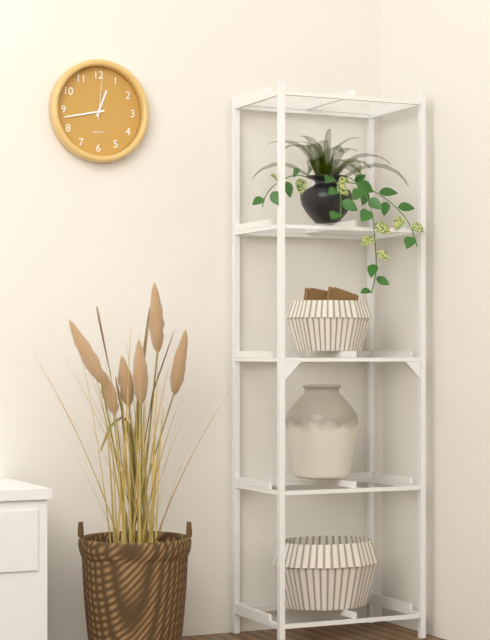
h=12 m=43
